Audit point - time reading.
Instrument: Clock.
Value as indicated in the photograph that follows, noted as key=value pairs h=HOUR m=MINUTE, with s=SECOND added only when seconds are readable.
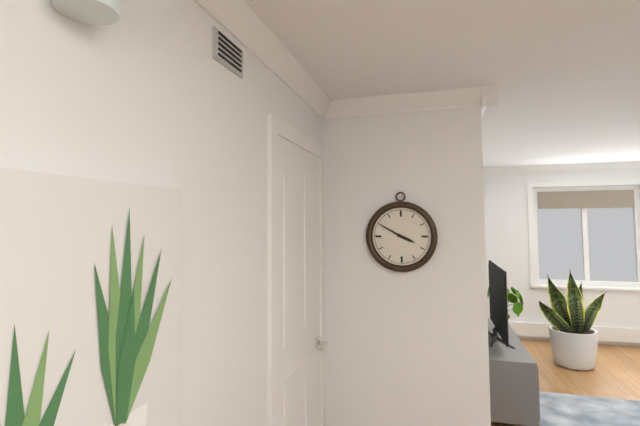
h=3 m=50
